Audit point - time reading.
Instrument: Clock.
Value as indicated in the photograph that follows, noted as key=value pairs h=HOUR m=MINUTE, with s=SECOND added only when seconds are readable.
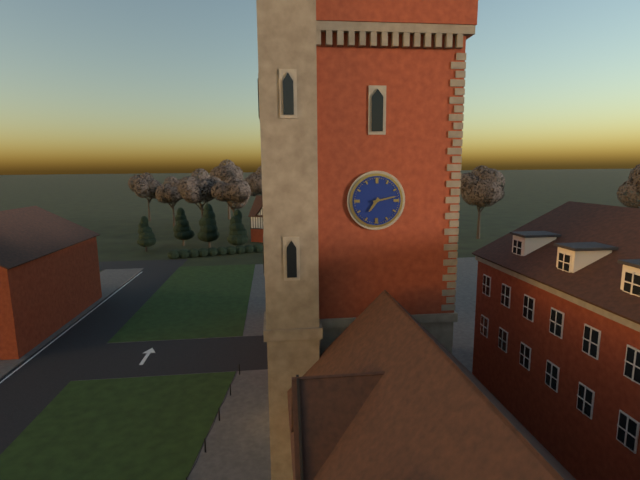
h=7 m=13
